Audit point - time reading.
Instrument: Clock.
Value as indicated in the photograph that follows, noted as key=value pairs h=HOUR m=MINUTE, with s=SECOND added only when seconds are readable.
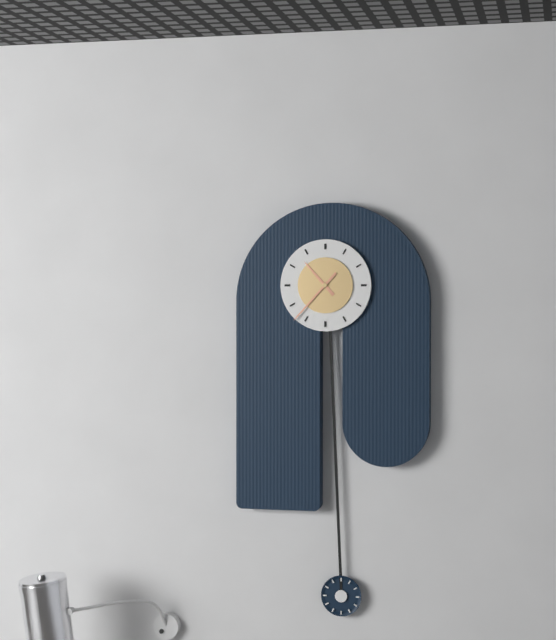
h=10 m=37
